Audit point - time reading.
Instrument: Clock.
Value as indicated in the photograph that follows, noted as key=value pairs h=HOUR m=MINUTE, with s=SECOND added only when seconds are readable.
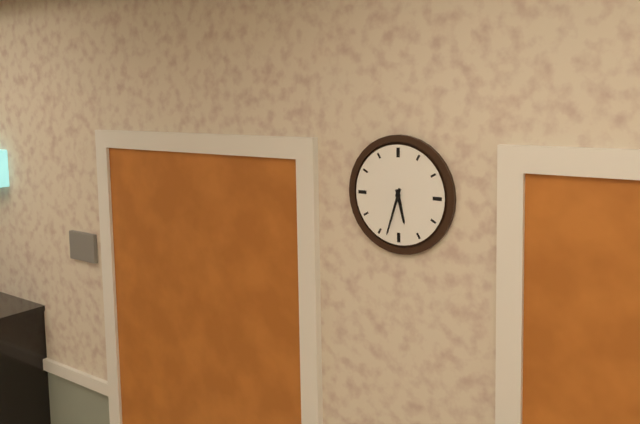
h=5 m=33
